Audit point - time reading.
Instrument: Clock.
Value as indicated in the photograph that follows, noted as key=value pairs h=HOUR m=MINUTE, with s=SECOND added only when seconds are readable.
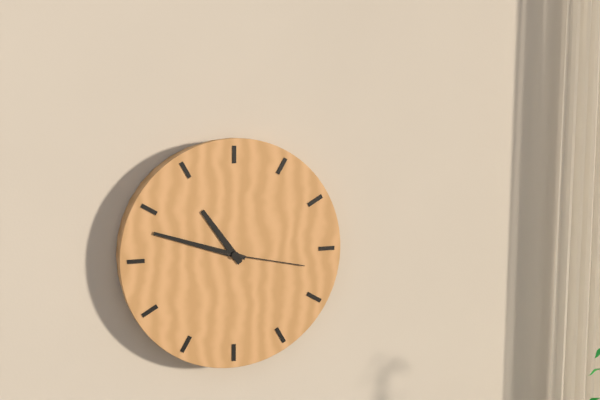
h=10 m=48 s=17
